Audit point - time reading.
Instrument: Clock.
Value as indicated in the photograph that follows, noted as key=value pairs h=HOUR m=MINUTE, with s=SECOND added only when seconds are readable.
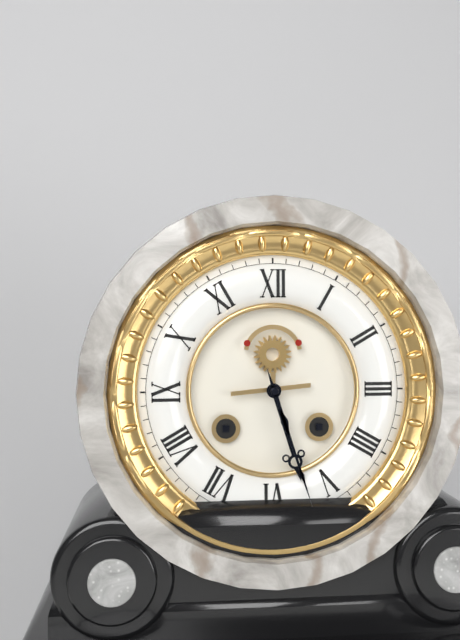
h=5 m=27
